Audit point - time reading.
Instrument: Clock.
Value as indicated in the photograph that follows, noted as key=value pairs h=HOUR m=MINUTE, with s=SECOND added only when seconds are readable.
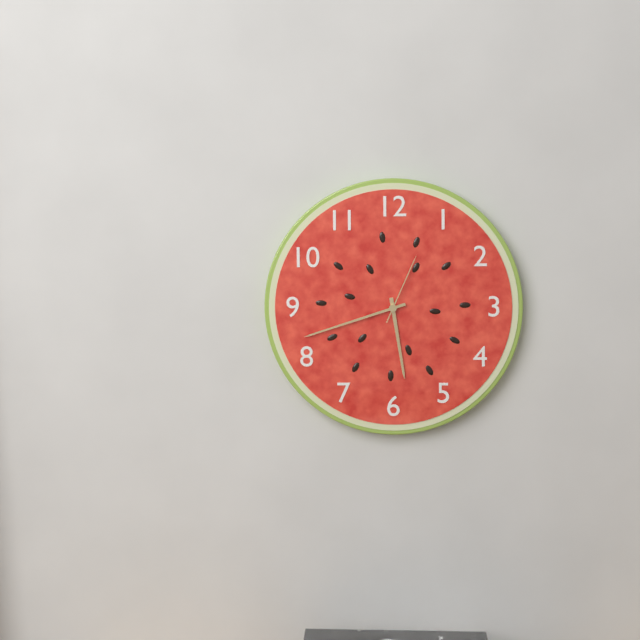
h=5 m=42 s=4
